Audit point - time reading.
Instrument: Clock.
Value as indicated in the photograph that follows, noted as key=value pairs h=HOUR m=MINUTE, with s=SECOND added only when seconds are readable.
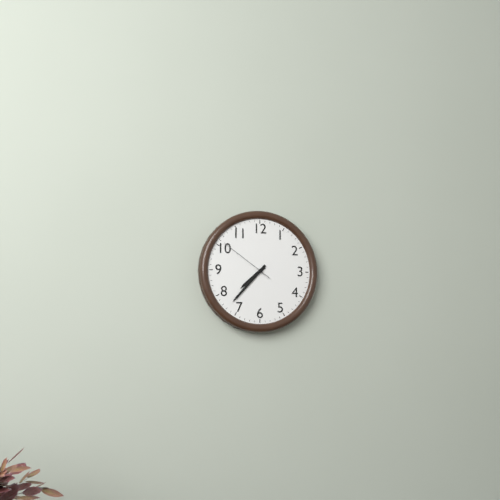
h=7 m=37 s=51
